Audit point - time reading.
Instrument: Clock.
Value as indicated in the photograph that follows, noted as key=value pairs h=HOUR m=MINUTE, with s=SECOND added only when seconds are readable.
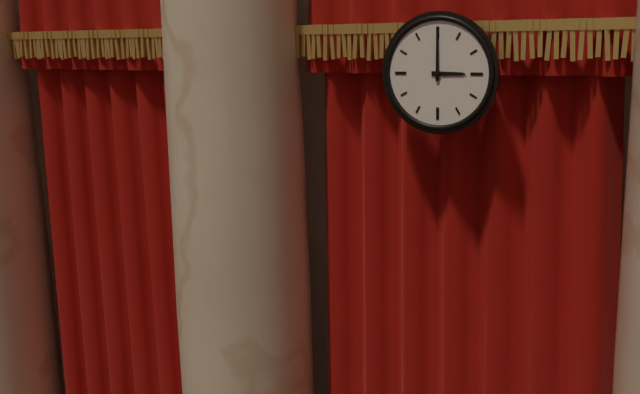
h=3 m=0
